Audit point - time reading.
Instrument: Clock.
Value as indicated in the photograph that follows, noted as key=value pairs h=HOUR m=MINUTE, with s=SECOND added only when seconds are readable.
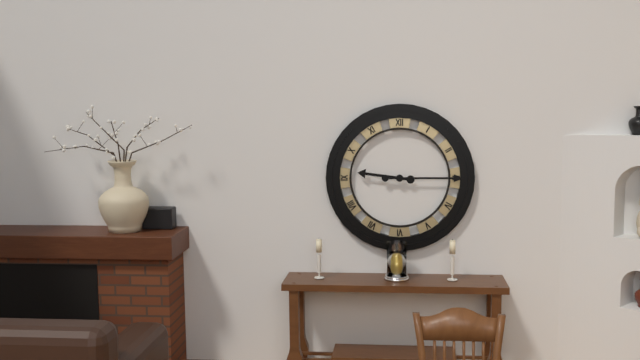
h=9 m=15
